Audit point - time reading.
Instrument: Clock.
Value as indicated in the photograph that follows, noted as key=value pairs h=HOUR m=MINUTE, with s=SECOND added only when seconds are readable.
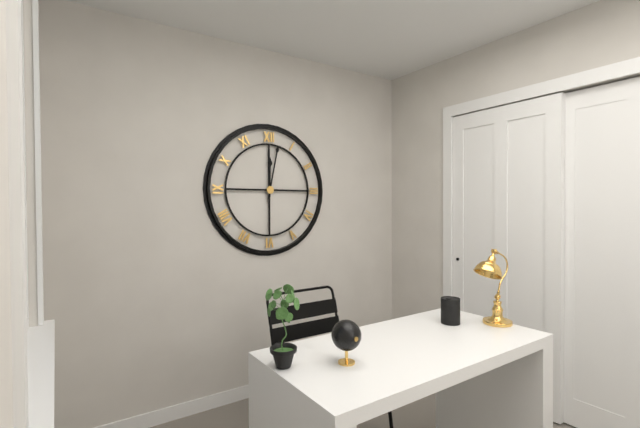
h=12 m=2
